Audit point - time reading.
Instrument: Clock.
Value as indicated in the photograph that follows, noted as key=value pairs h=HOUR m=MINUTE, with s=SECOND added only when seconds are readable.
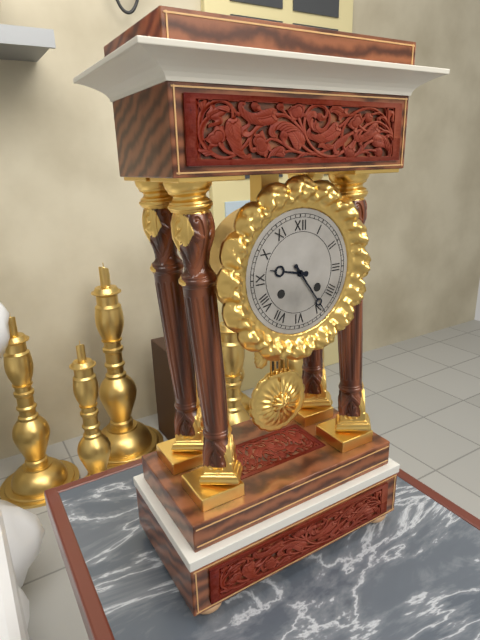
h=9 m=24
